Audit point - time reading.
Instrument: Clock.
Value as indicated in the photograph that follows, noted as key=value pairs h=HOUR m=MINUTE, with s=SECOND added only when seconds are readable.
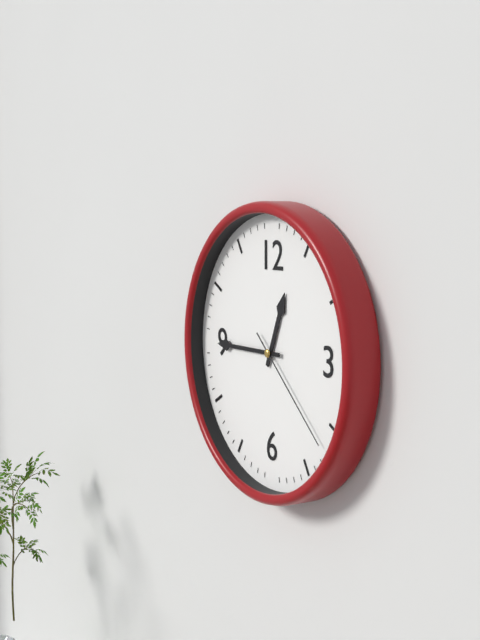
h=12 m=45 s=22
